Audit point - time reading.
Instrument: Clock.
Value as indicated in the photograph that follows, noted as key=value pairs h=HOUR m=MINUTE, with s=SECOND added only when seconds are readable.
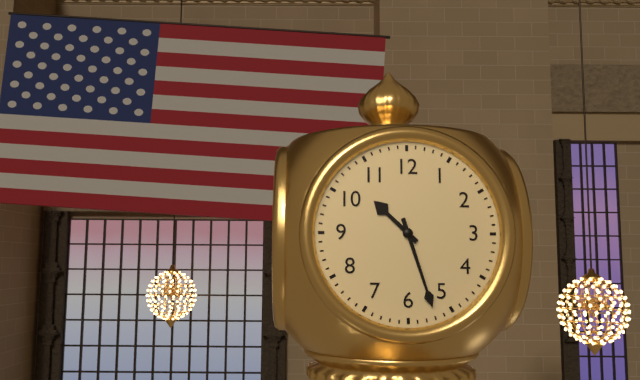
h=10 m=27
